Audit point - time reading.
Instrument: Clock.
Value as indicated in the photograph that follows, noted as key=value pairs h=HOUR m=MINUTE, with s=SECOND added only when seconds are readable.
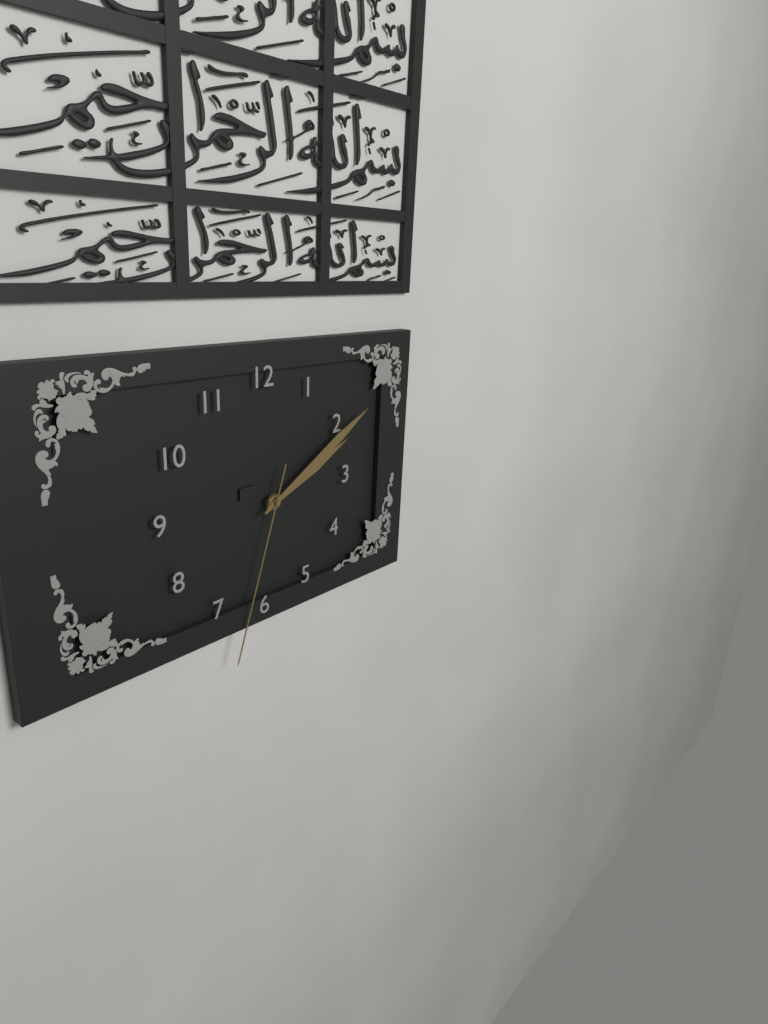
h=2 m=10 s=33
